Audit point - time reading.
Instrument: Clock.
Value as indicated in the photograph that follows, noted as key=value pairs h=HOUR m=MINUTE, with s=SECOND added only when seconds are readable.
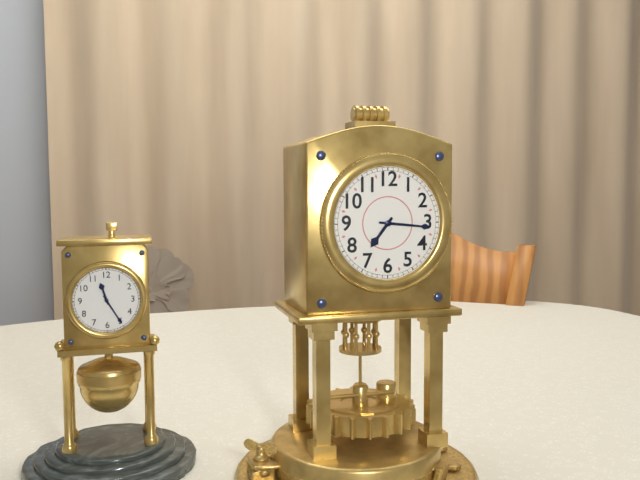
h=7 m=16
